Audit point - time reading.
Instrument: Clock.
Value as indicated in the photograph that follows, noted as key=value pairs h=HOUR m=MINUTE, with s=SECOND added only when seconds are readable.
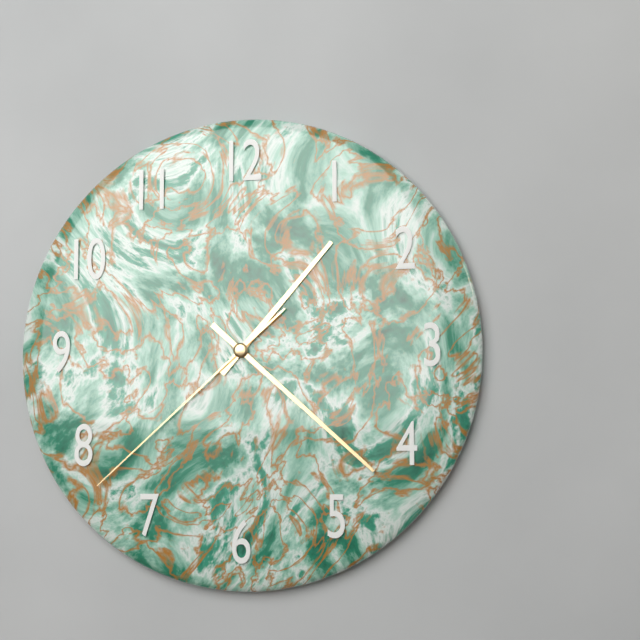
h=1 m=22 s=38
